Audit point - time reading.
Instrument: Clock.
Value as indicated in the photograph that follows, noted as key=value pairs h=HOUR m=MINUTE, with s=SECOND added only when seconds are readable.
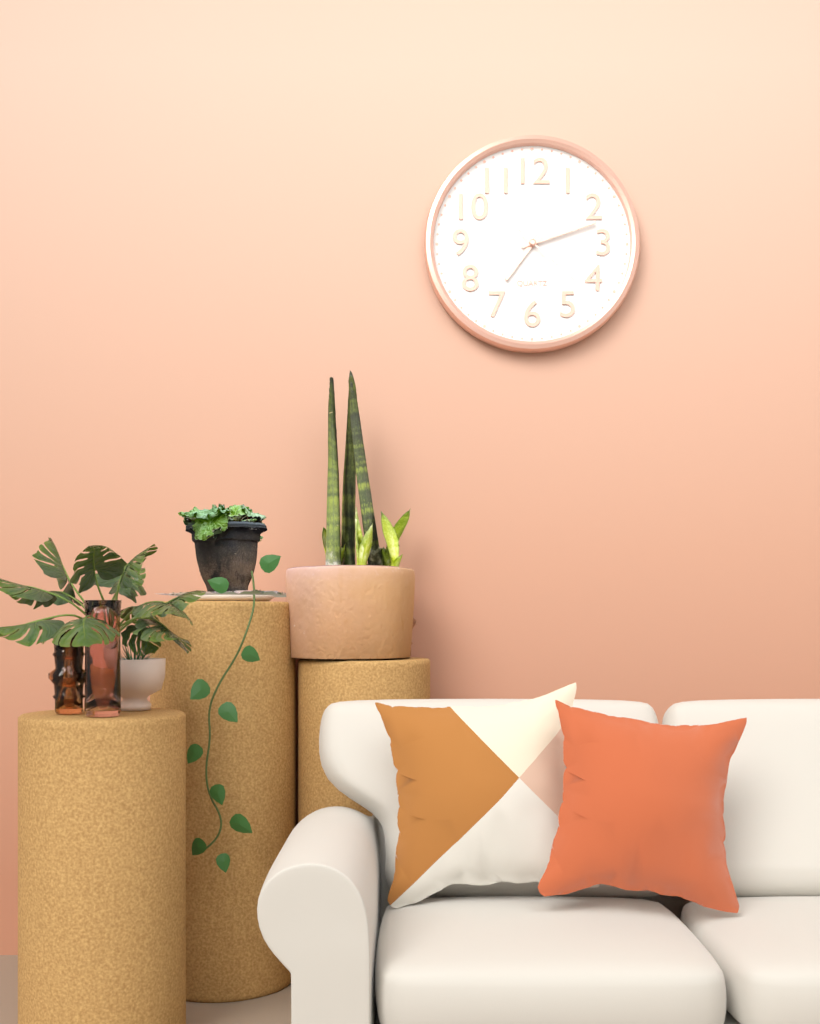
h=7 m=12 s=22
